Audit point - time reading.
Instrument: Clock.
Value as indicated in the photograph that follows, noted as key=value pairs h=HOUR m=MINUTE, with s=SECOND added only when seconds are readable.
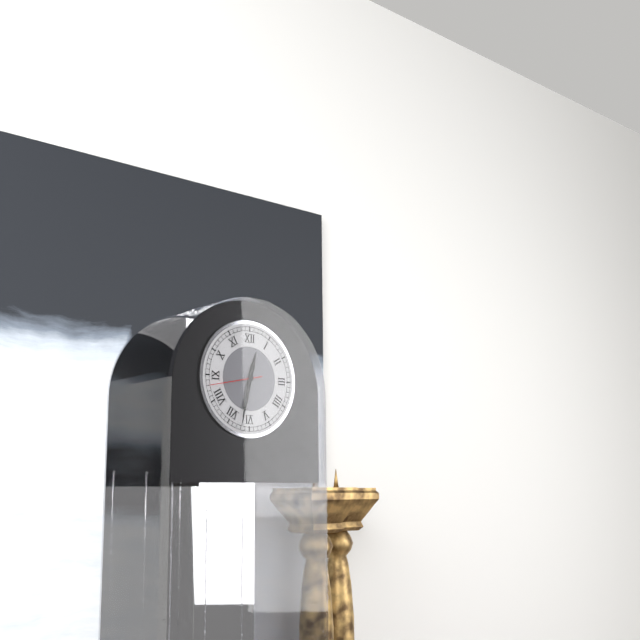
h=12 m=32 s=43
